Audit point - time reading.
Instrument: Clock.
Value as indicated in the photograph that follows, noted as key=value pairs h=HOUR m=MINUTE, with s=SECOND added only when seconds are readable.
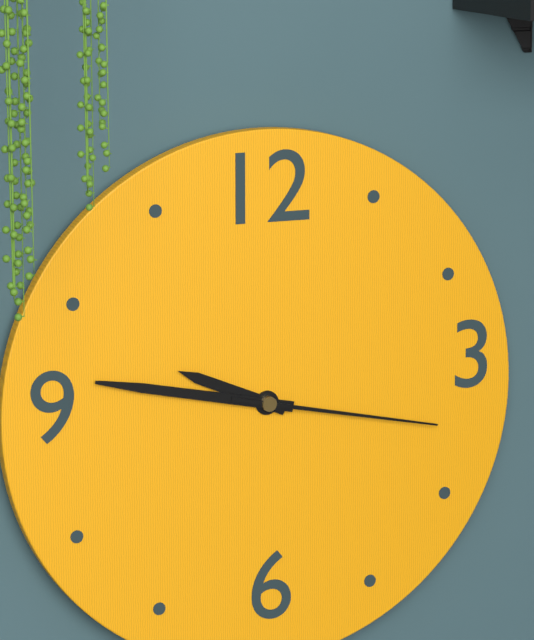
h=9 m=47 s=17
